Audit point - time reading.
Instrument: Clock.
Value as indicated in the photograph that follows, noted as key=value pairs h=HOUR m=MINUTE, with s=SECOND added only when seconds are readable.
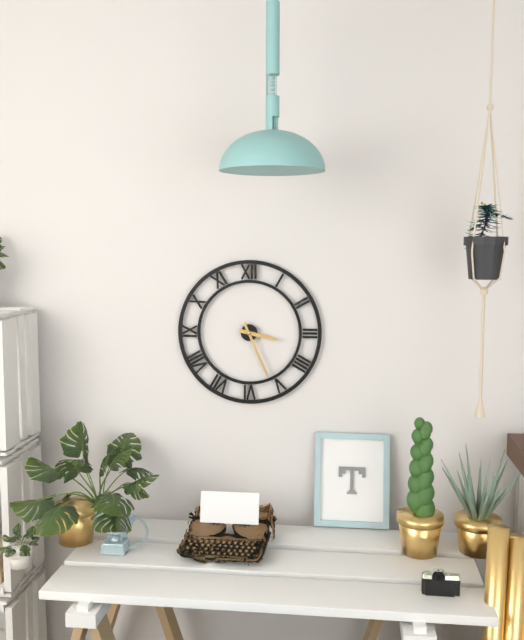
h=3 m=26
